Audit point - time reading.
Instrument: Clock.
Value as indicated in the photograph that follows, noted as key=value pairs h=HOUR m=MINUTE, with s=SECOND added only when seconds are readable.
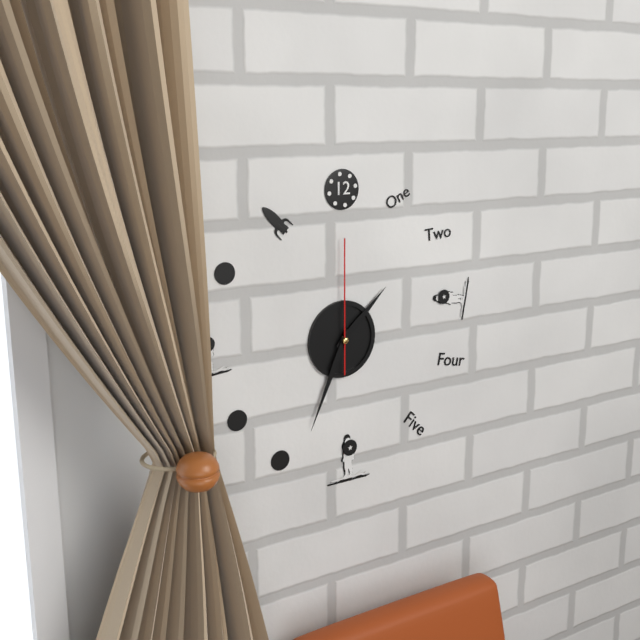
h=1 m=34 s=0
